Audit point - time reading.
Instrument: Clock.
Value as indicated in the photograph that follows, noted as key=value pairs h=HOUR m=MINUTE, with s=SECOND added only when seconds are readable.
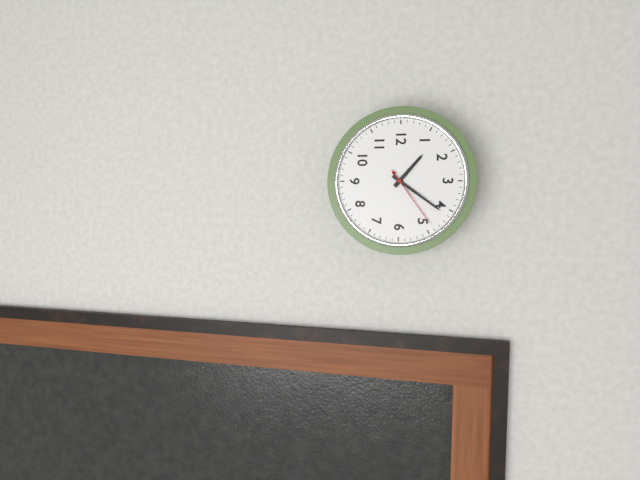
h=1 m=21 s=24
